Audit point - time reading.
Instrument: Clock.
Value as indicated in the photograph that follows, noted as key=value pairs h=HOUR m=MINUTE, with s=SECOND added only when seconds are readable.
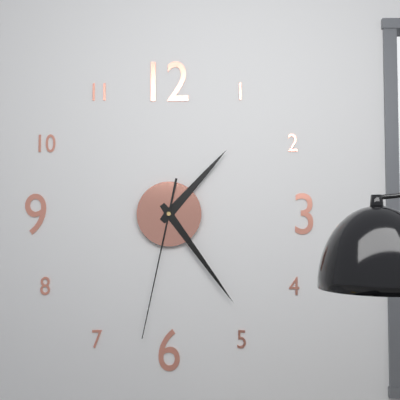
h=1 m=24 s=32
